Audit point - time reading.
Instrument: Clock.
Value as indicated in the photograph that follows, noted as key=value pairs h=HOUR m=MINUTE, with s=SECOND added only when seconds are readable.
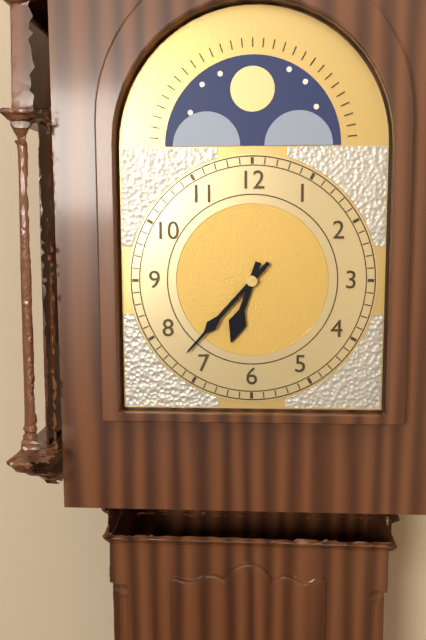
h=6 m=37
